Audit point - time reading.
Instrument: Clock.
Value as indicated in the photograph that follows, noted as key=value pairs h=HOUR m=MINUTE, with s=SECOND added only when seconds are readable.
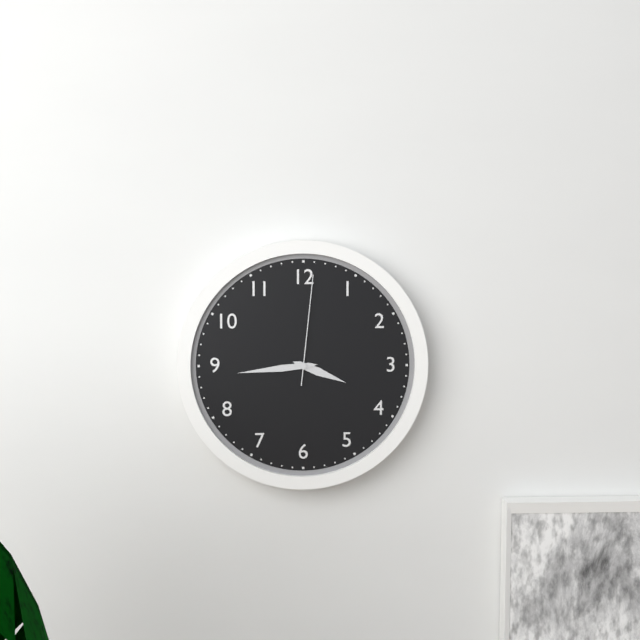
h=3 m=44 s=1
